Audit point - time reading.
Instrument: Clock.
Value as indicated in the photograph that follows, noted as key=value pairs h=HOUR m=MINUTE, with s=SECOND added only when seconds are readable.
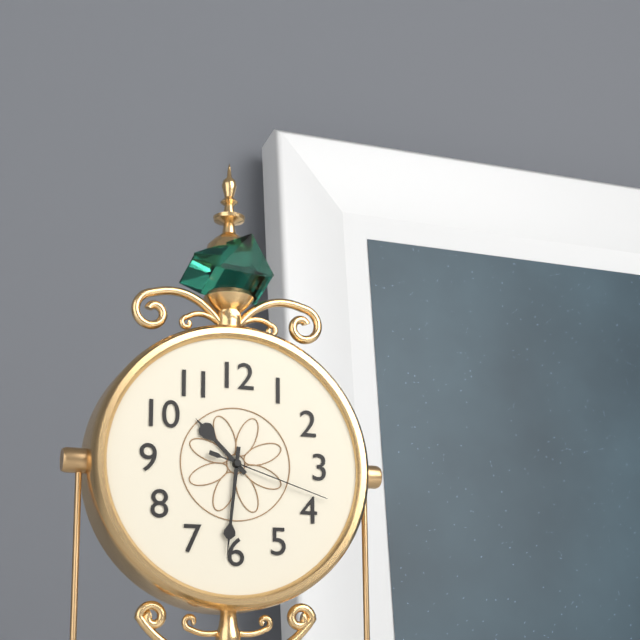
h=10 m=31 s=18
